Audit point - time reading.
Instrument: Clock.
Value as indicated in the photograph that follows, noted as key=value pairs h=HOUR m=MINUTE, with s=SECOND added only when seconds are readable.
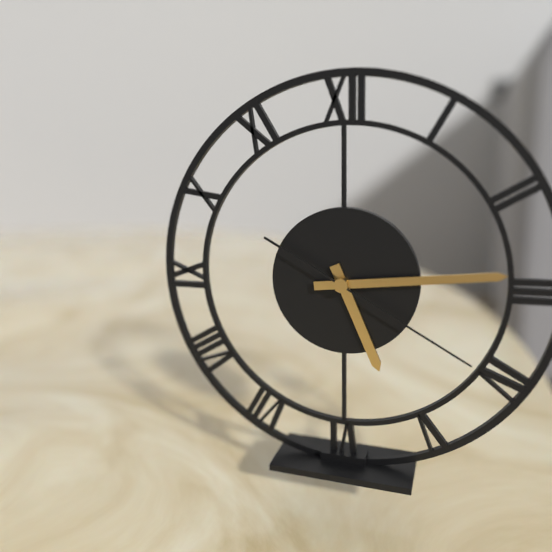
h=5 m=14 s=20
